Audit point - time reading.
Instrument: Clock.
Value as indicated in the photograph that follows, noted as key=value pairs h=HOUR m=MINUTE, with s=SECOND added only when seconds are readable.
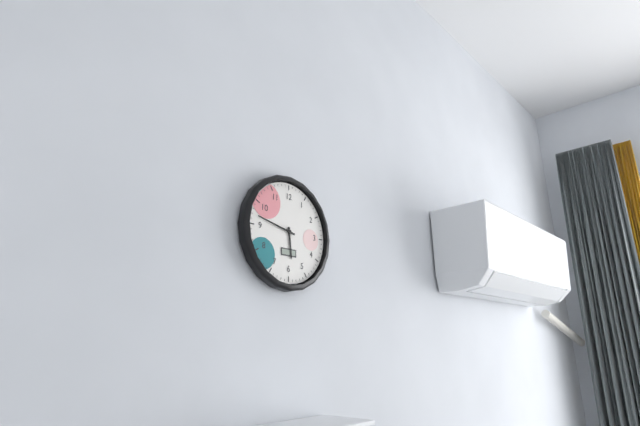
h=5 m=47
